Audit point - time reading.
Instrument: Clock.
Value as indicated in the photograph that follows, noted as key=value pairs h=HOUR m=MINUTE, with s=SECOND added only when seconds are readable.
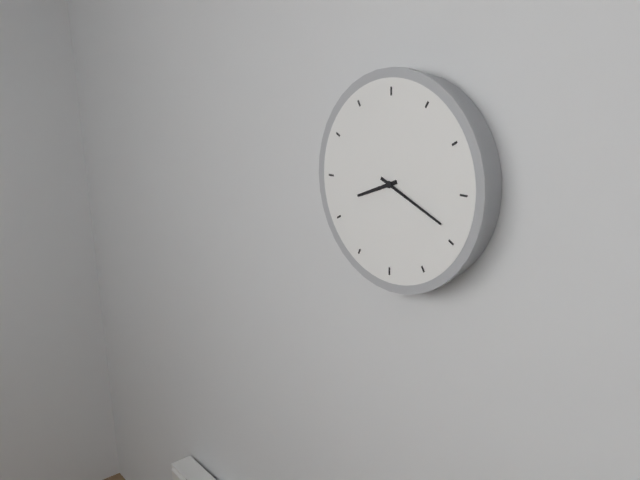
h=8 m=19
